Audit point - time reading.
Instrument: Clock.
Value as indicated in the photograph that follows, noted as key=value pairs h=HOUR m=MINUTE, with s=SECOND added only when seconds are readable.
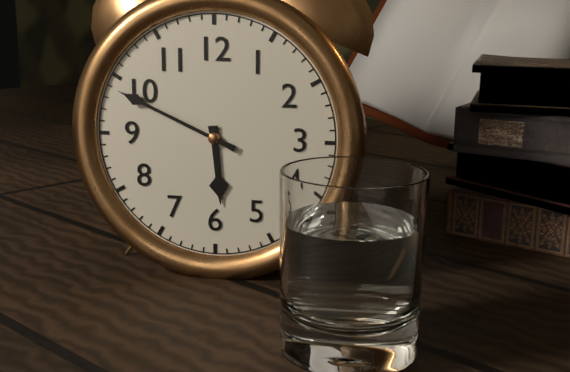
h=5 m=49
